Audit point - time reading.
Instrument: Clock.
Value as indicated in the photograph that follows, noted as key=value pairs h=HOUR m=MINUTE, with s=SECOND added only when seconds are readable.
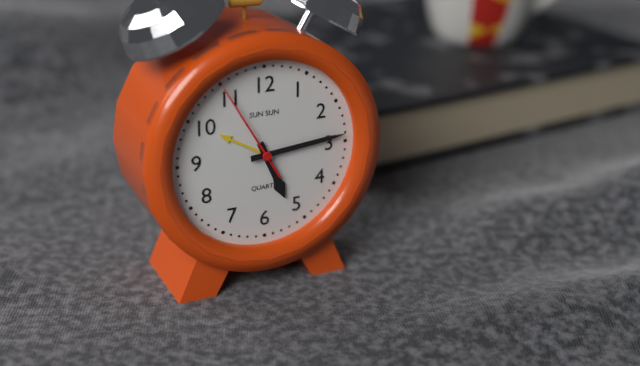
h=5 m=14 s=55
